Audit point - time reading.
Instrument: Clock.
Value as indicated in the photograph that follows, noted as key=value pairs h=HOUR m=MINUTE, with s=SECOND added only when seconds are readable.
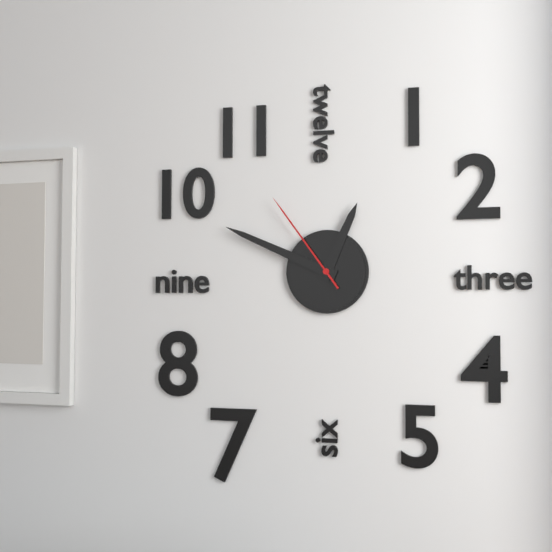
h=12 m=49 s=54
